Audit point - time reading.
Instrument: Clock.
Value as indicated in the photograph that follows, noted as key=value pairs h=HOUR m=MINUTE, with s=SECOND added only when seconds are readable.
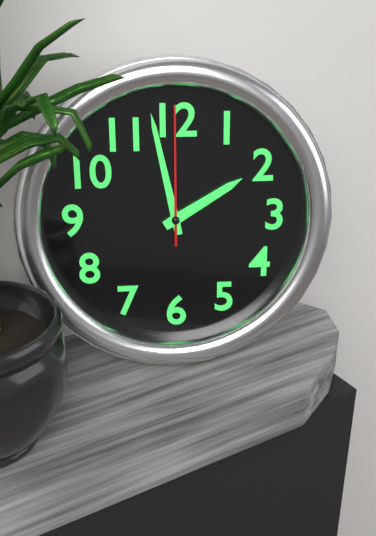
h=1 m=58 s=0
